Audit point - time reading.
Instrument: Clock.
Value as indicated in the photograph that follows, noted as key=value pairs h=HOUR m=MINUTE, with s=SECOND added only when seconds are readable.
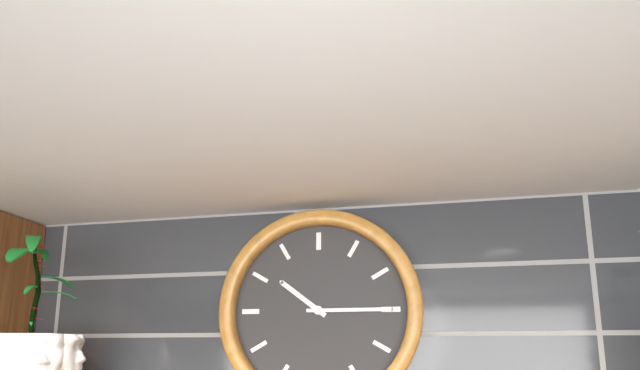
h=10 m=15
